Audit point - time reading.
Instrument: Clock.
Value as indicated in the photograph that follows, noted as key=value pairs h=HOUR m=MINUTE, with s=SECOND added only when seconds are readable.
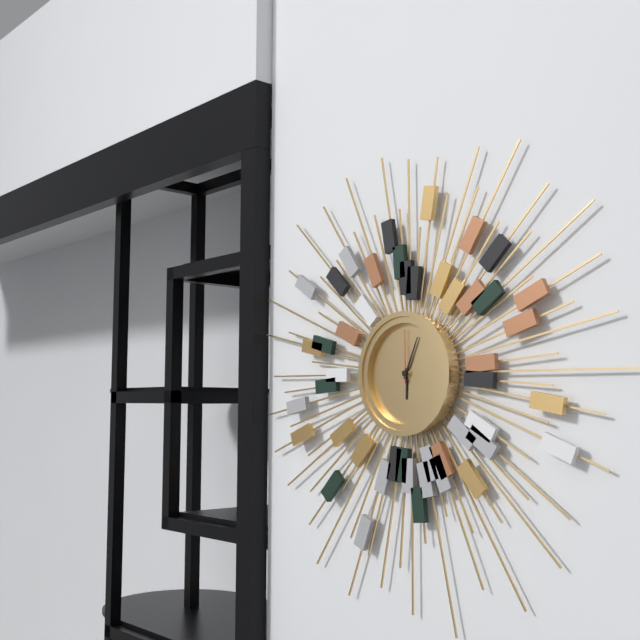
h=6 m=4 s=0
